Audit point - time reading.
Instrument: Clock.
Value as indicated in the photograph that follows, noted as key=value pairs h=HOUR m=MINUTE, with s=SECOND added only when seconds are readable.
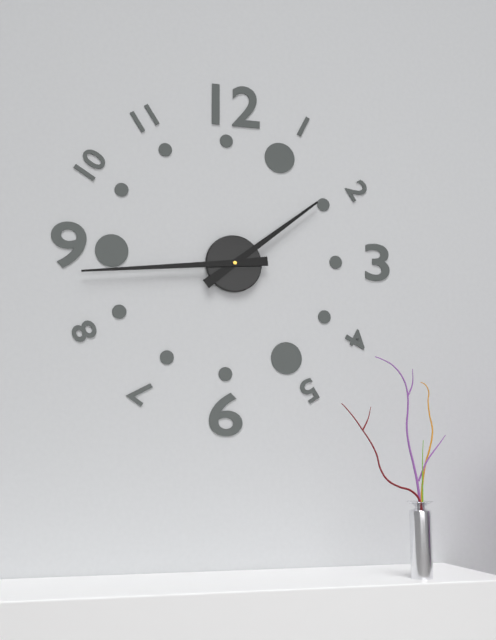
h=1 m=44
